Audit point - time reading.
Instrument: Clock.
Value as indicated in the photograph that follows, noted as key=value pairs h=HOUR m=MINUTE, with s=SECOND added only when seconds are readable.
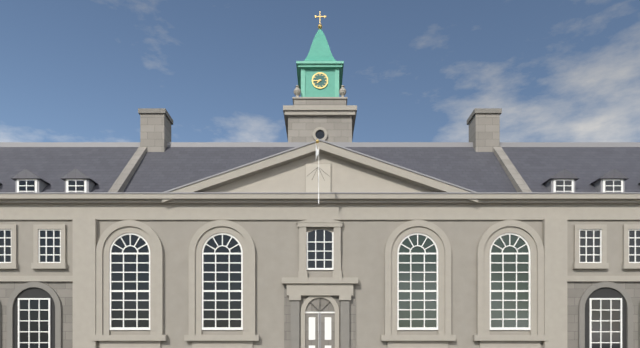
h=7 m=44
